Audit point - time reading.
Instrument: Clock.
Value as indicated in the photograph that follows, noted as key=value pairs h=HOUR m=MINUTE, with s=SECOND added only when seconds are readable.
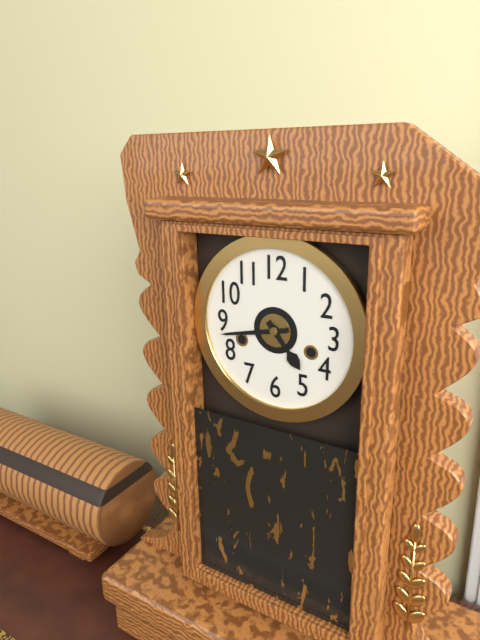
h=4 m=43
